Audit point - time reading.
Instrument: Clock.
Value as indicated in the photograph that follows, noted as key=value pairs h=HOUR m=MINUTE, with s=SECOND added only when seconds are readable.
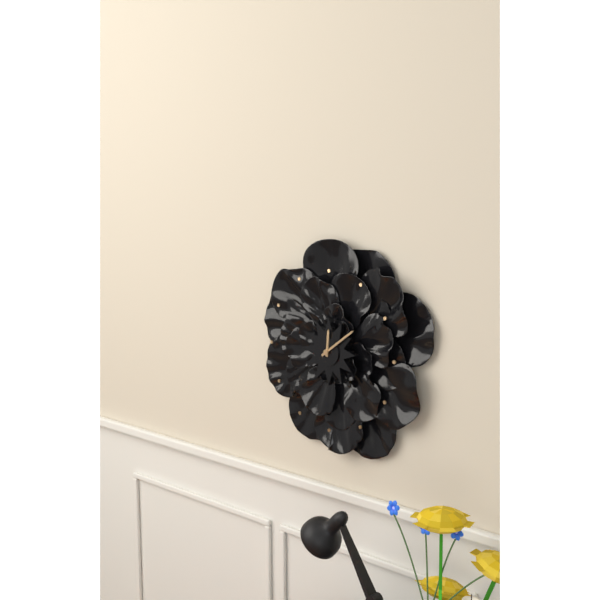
h=12 m=9
